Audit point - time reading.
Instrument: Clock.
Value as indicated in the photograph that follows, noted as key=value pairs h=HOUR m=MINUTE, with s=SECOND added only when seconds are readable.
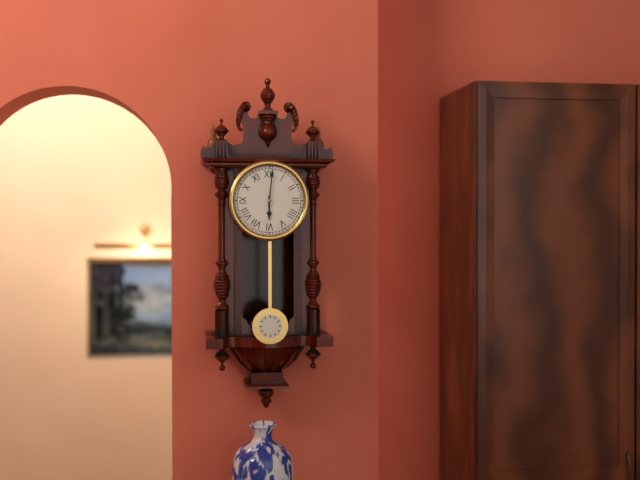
h=6 m=1
